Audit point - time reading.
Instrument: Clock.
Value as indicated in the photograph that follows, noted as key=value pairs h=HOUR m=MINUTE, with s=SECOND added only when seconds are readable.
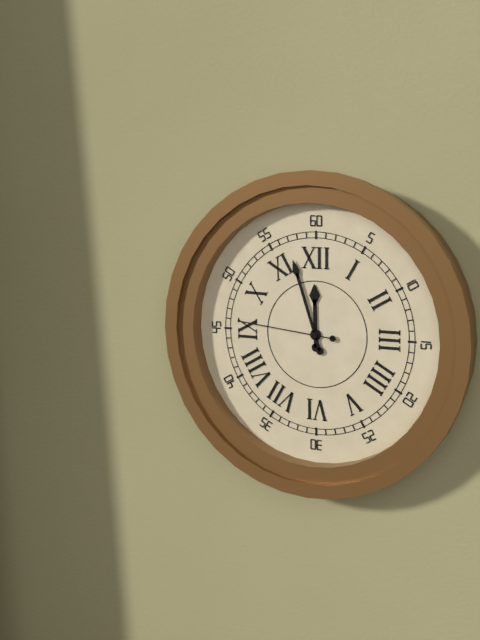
h=11 m=57 s=46
